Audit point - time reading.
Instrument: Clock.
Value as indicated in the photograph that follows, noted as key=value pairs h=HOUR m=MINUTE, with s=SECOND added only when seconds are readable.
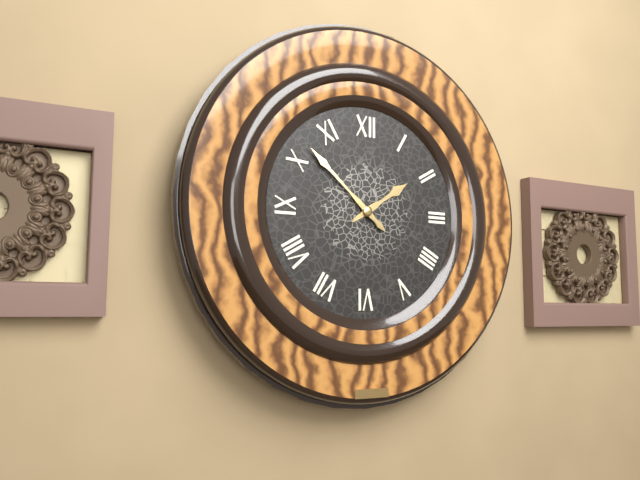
h=1 m=52
